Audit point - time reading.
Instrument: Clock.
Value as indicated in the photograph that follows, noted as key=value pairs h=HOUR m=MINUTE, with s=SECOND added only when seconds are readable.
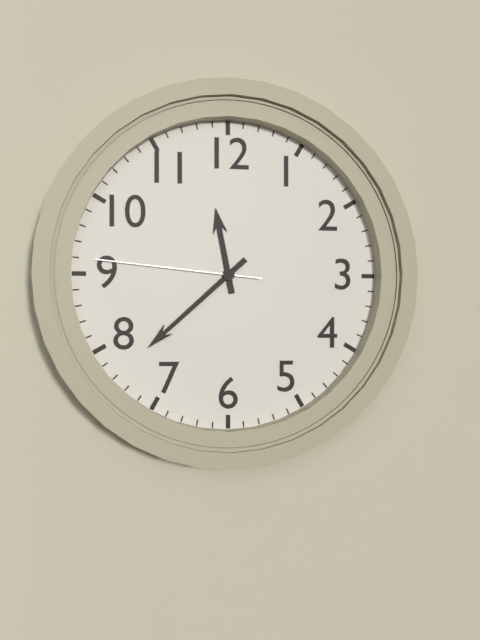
h=11 m=38 s=46
